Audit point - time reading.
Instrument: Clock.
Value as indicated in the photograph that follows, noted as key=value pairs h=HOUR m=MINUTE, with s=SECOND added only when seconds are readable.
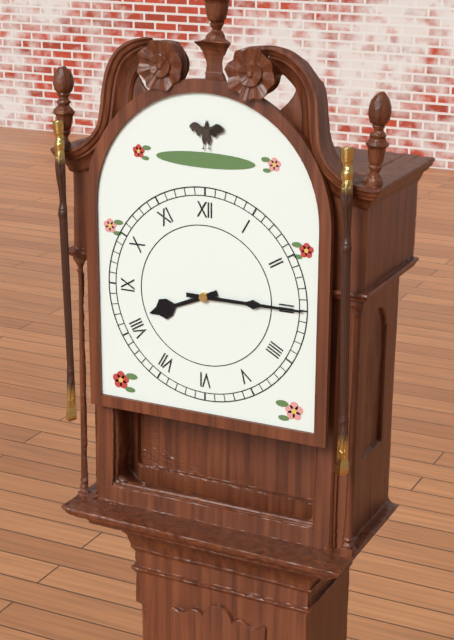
h=8 m=15
